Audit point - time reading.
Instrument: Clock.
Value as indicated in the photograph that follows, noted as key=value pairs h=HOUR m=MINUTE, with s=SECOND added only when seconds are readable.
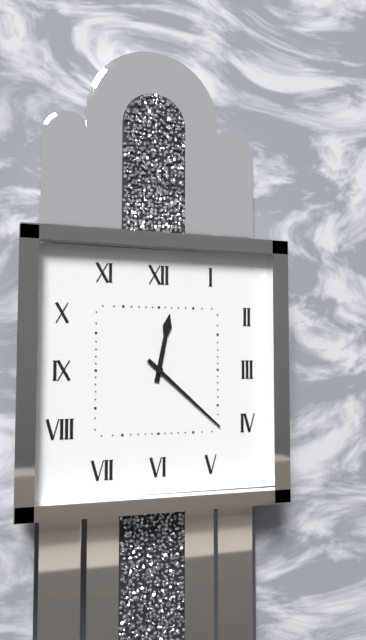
h=12 m=22
